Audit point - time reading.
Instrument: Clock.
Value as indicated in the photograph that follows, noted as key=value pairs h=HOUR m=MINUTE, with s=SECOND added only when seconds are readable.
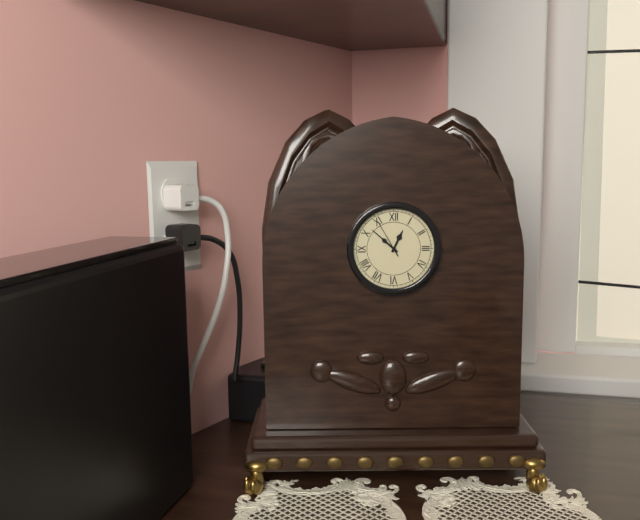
h=12 m=52
